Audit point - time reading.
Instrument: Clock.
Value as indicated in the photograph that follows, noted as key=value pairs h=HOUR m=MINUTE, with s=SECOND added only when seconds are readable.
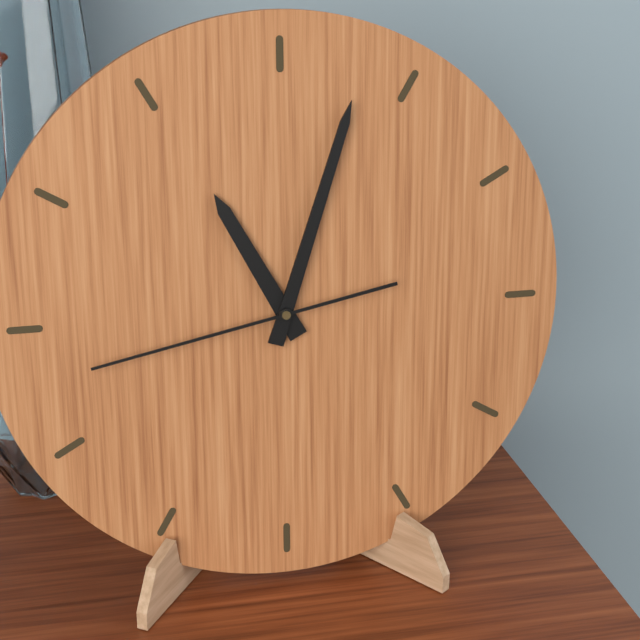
h=11 m=3 s=43
